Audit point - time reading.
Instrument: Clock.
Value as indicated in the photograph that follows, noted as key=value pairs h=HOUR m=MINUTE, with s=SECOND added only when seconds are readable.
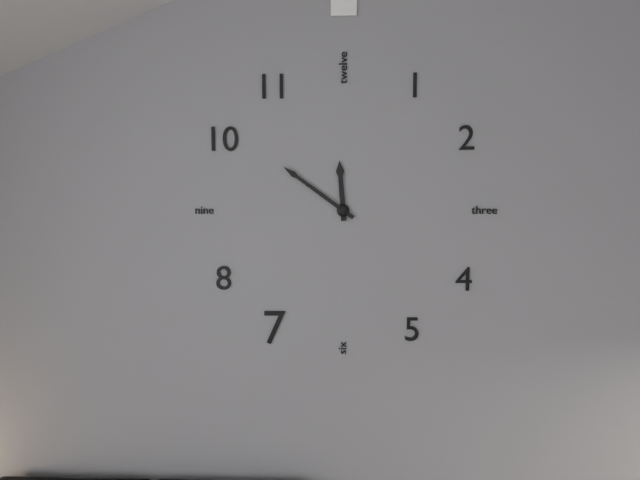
h=11 m=51
